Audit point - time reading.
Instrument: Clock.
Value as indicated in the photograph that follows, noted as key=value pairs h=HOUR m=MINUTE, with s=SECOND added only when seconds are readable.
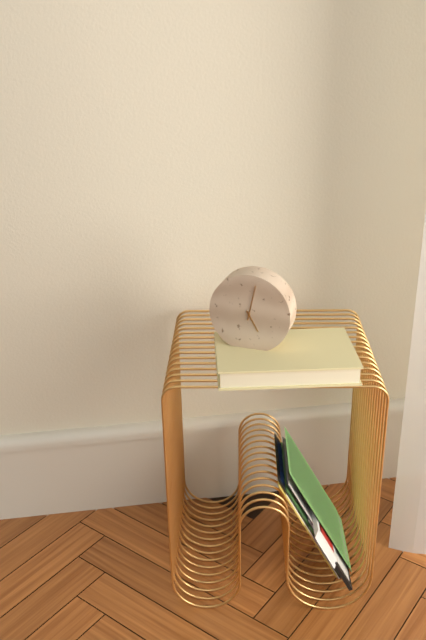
h=5 m=2
